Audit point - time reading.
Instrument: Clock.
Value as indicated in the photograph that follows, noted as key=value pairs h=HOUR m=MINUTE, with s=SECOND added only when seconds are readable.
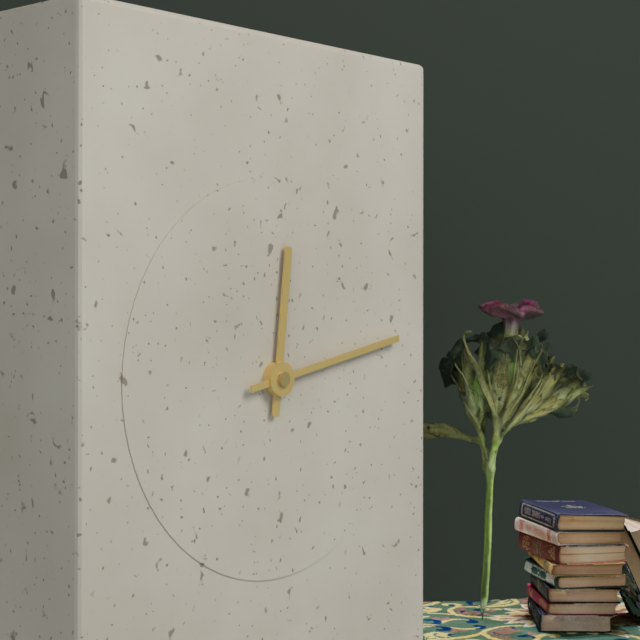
h=12 m=13
